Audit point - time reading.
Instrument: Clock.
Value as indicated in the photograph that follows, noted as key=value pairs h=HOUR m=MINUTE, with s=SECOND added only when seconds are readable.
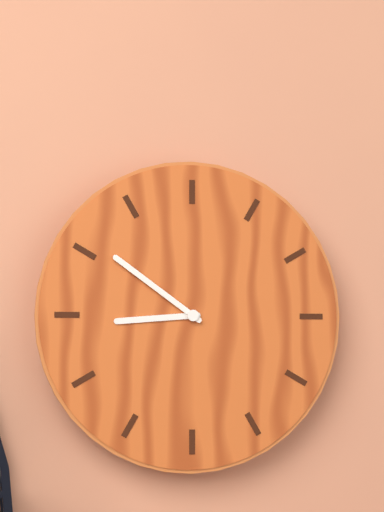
h=8 m=51
